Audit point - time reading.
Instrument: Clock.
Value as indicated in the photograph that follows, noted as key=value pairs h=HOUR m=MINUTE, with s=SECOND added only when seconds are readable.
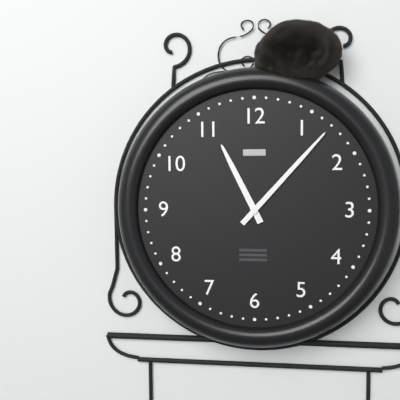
h=11 m=7
